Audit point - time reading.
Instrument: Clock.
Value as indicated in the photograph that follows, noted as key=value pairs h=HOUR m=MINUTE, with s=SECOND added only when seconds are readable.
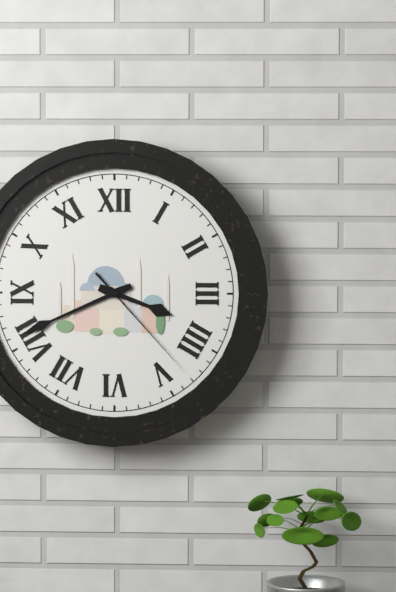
h=3 m=41 s=23
